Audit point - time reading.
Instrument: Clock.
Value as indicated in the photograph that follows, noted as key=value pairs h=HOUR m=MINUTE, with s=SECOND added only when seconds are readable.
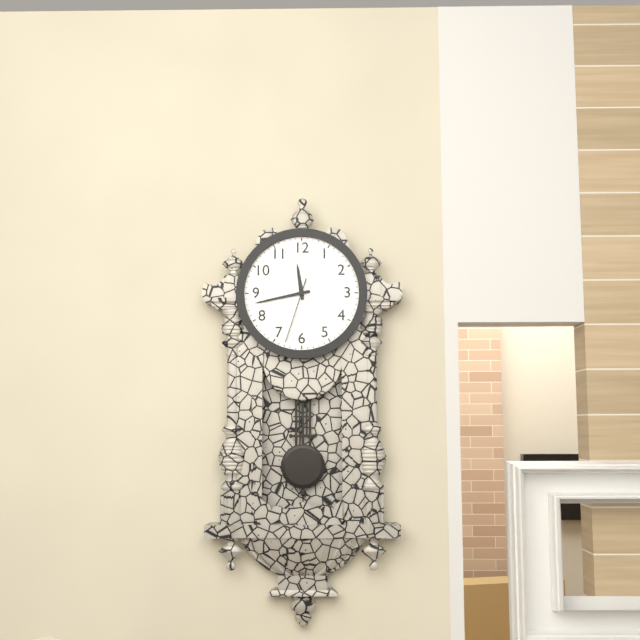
h=11 m=43 s=33
